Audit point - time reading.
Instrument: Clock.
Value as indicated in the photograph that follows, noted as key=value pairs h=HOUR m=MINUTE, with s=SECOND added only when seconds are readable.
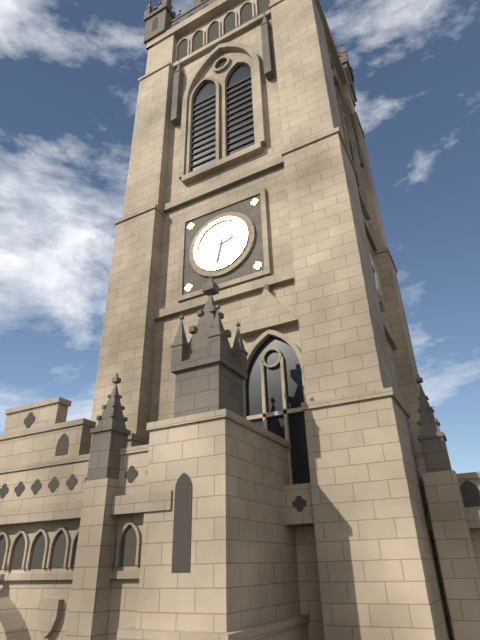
h=2 m=32
